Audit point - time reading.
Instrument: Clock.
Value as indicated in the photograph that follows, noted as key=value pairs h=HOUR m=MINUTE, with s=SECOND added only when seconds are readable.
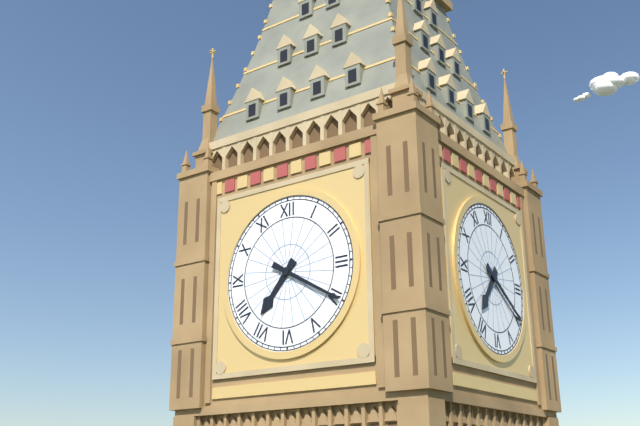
h=7 m=20
